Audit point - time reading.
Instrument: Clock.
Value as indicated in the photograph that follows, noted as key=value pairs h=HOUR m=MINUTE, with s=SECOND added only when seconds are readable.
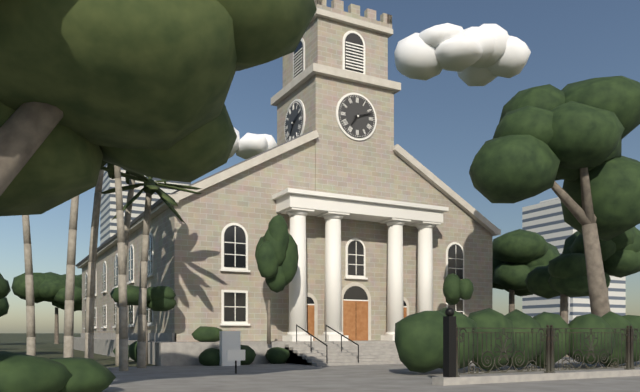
h=7 m=12
